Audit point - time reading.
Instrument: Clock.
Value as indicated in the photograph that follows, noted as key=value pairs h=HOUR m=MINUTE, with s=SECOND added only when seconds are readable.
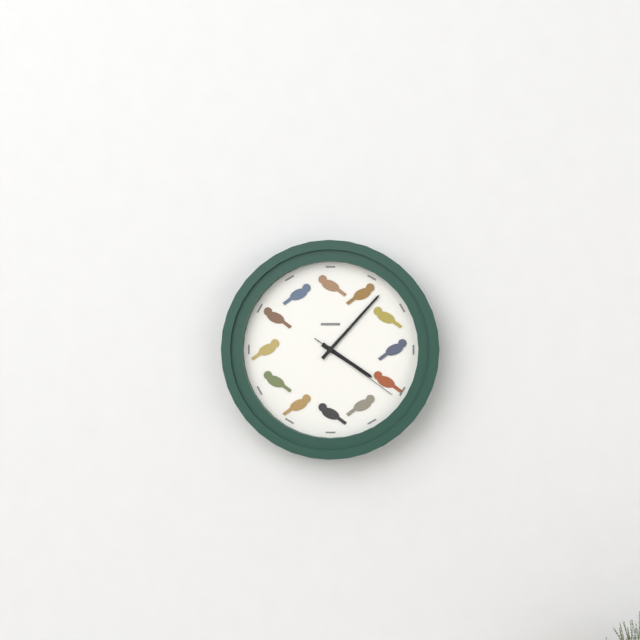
h=4 m=7 s=21
